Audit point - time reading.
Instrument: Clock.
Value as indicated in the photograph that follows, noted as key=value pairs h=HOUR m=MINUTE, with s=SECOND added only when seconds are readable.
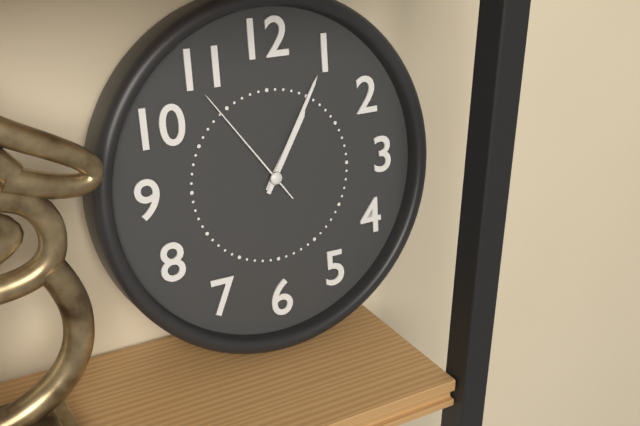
h=1 m=5 s=54
